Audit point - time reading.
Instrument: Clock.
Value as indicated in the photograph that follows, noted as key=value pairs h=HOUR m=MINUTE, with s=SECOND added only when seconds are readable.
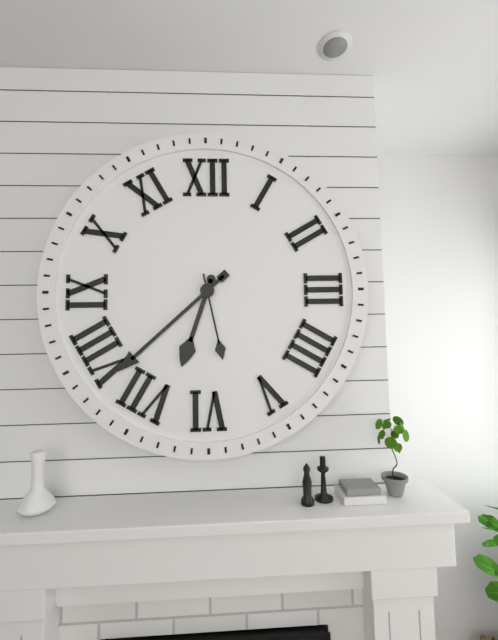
h=6 m=38 s=28
